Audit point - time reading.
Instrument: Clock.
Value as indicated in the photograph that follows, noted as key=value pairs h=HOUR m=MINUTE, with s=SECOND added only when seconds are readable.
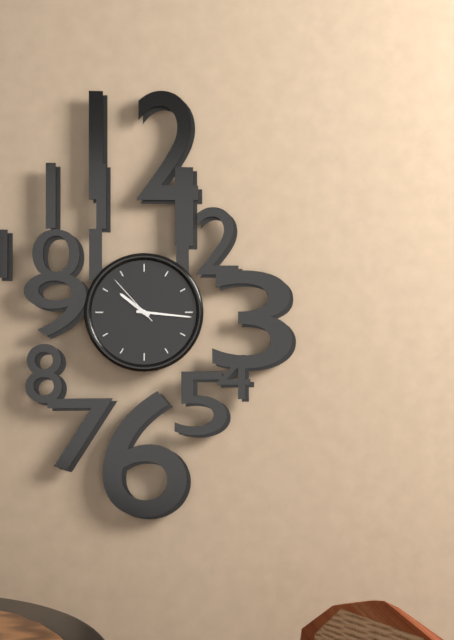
h=10 m=16 s=53
